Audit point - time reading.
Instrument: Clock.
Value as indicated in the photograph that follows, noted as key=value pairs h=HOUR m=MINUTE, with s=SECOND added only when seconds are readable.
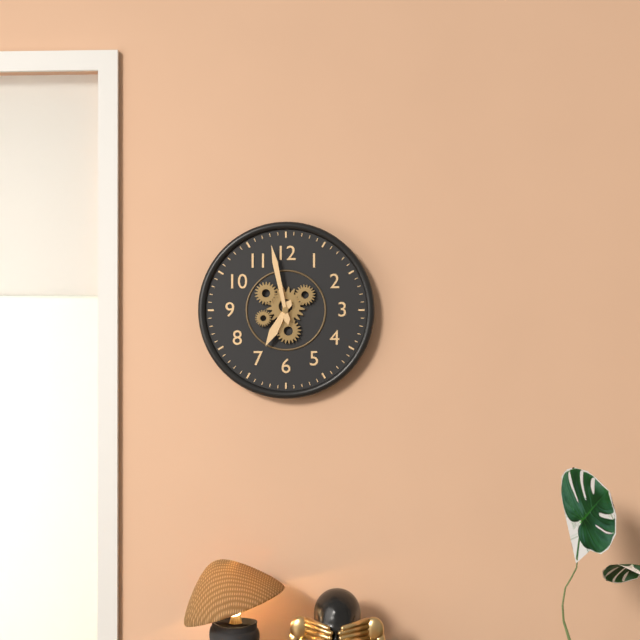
h=6 m=58
